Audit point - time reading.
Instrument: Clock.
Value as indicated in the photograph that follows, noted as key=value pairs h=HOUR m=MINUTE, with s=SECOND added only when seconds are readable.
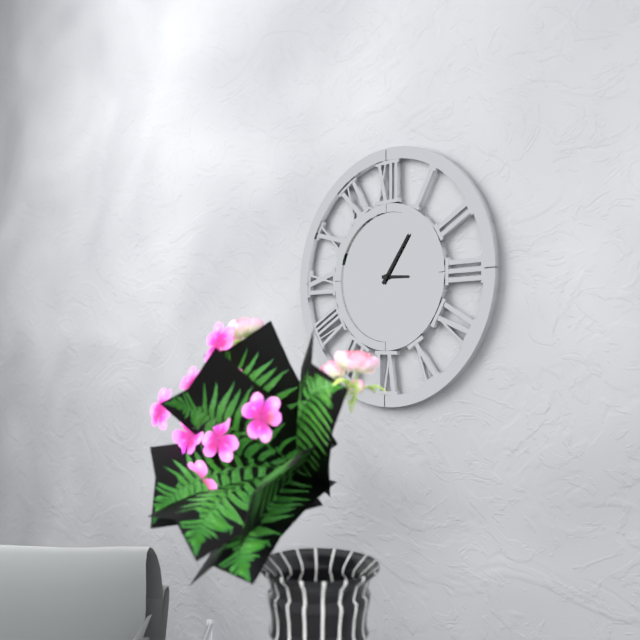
h=3 m=6
